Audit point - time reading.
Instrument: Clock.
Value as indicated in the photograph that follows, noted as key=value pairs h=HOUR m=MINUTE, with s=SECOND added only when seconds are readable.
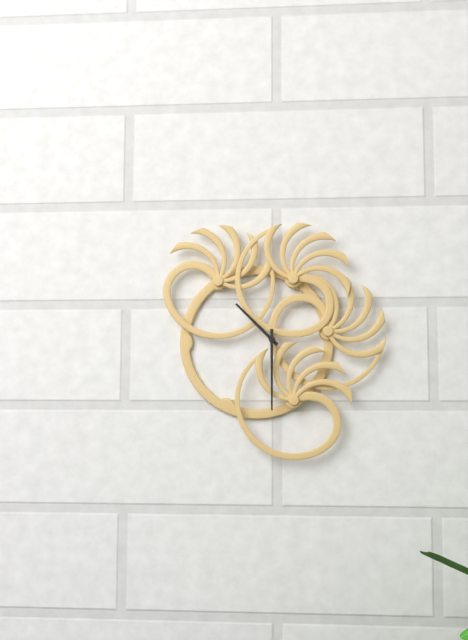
h=10 m=30
